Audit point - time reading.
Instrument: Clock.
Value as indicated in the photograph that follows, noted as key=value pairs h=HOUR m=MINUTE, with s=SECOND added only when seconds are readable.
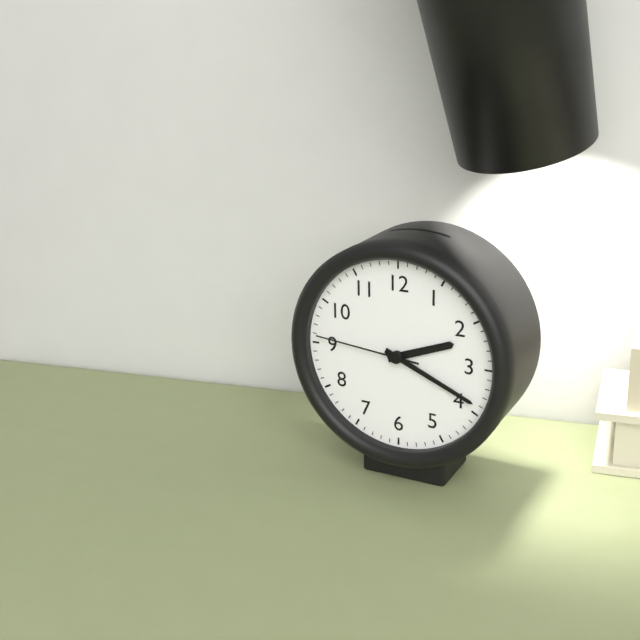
h=2 m=19 s=46
